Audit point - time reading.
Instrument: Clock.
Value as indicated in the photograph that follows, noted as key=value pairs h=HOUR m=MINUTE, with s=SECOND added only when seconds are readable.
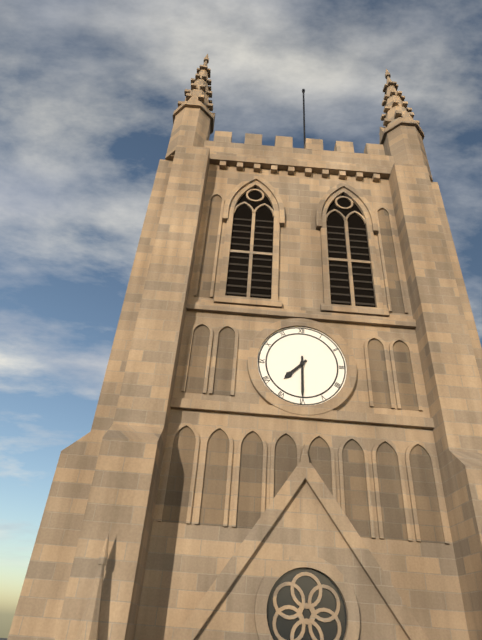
h=7 m=30
